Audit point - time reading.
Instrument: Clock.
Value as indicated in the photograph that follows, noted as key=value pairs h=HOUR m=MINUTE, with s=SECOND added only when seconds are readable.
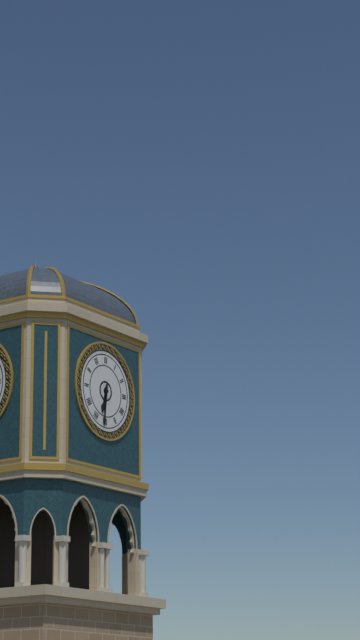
h=6 m=31
